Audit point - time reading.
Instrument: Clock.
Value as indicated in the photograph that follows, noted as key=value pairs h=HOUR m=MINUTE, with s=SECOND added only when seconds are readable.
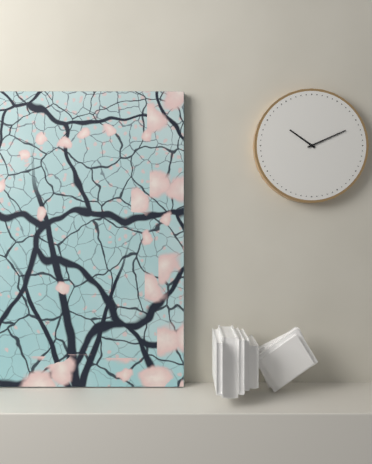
h=10 m=11
